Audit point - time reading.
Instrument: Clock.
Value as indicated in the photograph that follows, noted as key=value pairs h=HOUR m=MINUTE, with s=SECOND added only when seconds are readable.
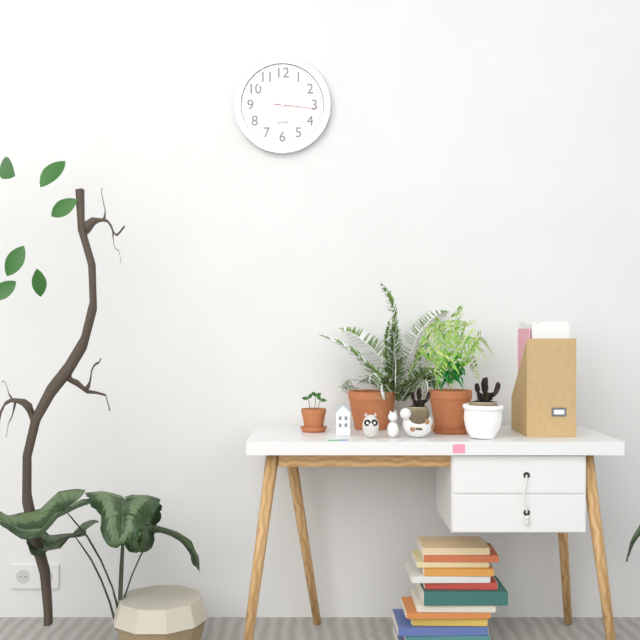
h=8 m=52
